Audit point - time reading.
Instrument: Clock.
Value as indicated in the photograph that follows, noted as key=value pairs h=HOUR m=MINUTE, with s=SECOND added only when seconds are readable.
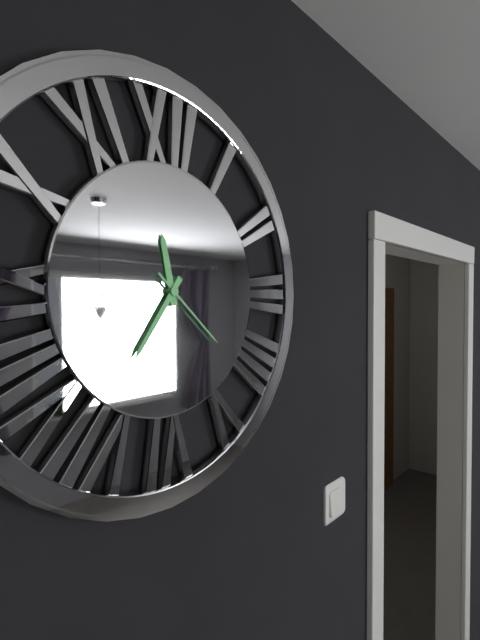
h=11 m=36 s=22
